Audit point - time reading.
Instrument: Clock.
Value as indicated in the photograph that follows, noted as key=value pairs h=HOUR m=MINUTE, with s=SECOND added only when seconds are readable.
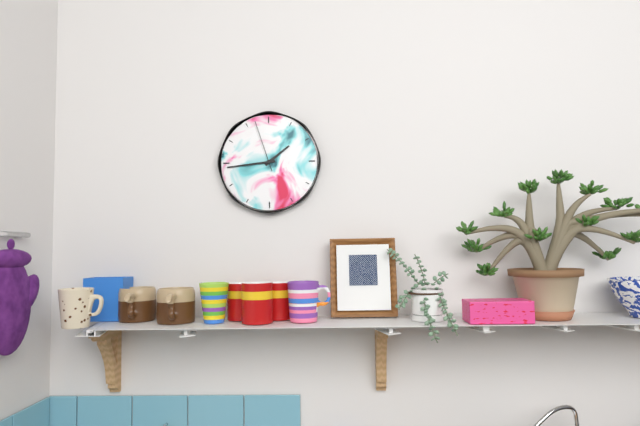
h=1 m=44 s=57
